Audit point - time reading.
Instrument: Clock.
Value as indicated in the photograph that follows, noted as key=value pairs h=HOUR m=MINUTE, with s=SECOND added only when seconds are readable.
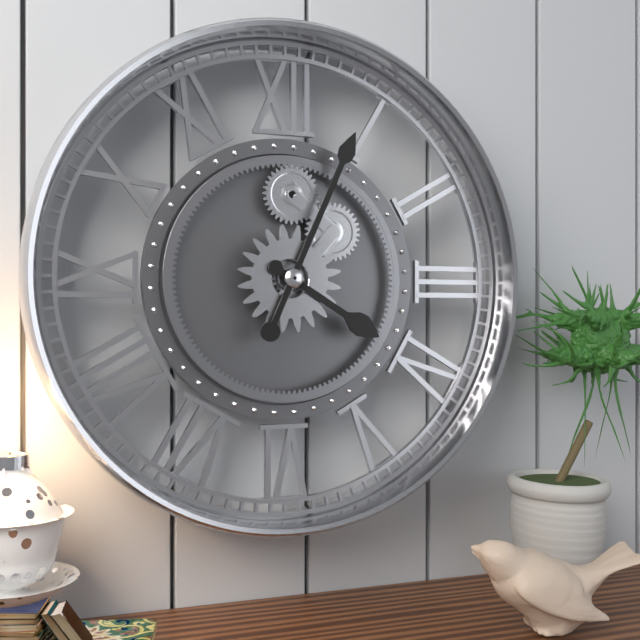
h=4 m=4
